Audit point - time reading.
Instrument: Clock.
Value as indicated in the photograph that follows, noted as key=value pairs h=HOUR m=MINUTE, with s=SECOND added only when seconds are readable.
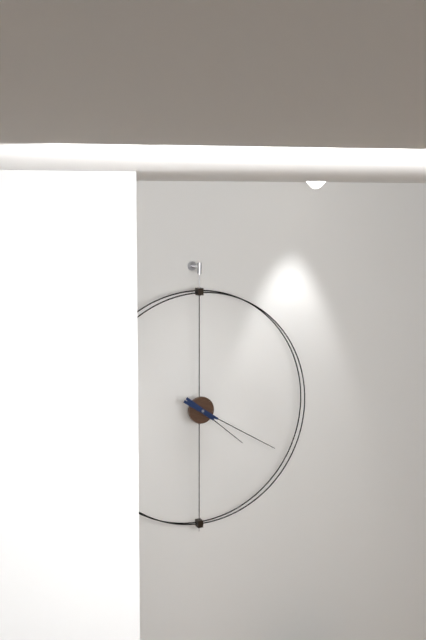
h=4 m=20
